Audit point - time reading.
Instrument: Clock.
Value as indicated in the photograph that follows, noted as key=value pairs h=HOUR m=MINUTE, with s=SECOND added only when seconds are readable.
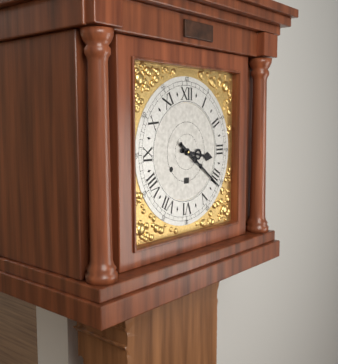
h=3 m=21
